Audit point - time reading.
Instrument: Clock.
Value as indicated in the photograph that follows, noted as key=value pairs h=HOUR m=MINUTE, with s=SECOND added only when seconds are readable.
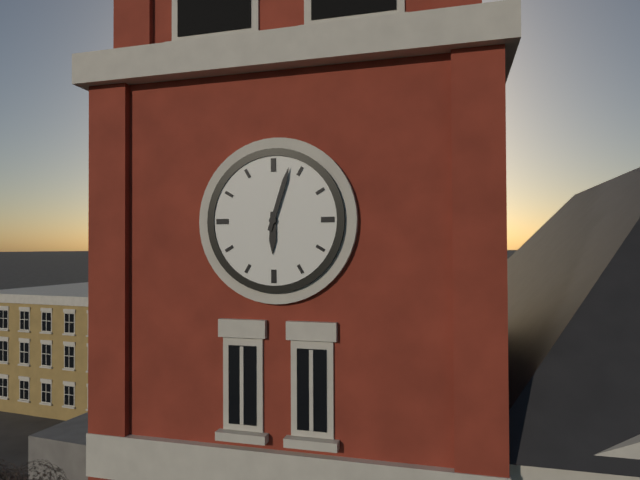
h=6 m=3
